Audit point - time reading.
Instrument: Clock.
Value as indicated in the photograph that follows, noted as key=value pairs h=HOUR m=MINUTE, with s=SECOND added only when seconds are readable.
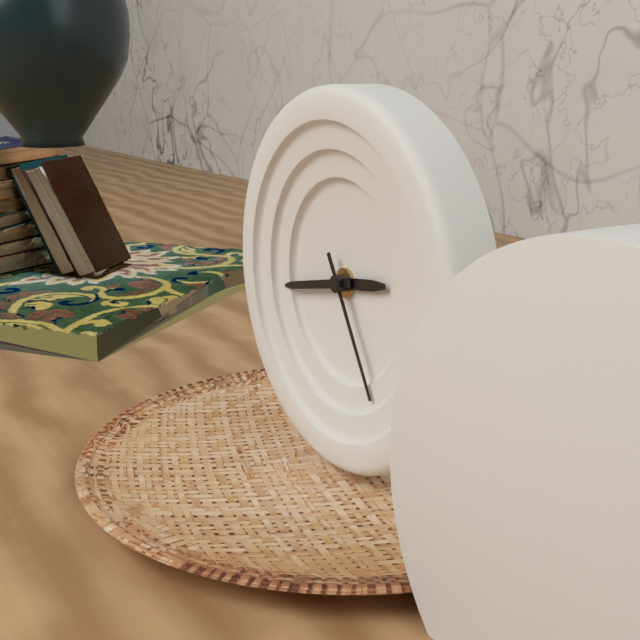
h=2 m=43 s=25
